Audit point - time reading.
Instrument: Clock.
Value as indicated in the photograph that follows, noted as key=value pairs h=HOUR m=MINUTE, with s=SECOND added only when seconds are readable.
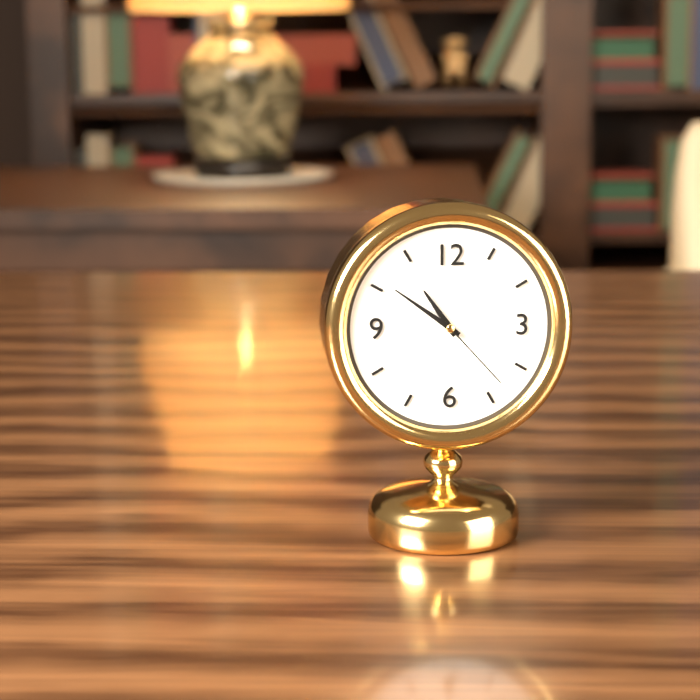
h=10 m=51 s=23
